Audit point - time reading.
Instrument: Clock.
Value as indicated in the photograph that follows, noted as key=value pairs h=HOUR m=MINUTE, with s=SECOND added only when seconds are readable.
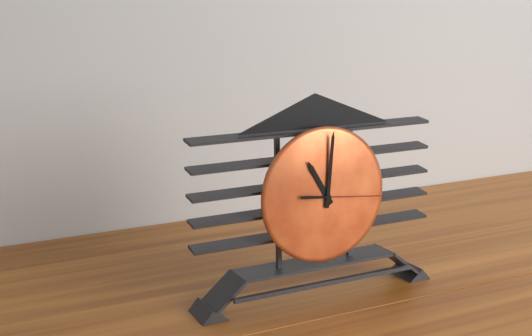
h=11 m=1 s=16
